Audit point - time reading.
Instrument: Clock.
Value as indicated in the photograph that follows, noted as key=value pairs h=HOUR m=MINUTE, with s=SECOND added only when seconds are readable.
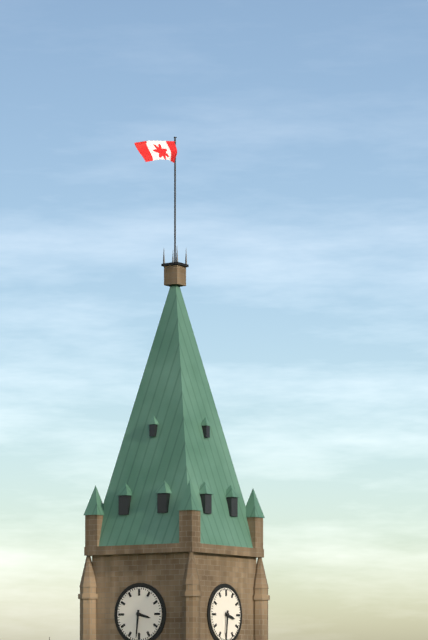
h=3 m=31
